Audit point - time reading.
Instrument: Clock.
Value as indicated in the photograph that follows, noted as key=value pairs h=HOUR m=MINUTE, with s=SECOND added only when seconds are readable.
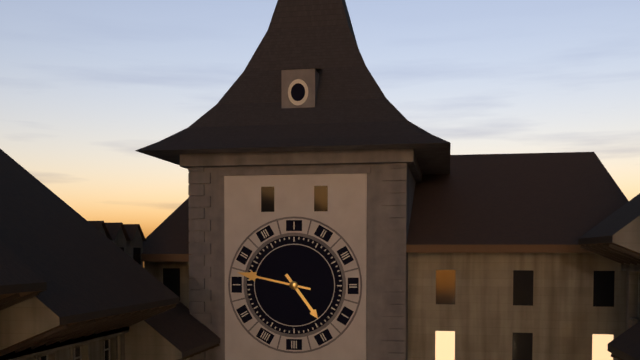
h=4 m=47
